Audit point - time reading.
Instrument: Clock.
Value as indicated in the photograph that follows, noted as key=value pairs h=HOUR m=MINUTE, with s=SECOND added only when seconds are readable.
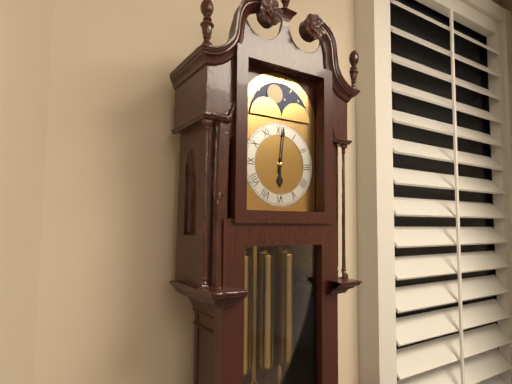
h=6 m=1
